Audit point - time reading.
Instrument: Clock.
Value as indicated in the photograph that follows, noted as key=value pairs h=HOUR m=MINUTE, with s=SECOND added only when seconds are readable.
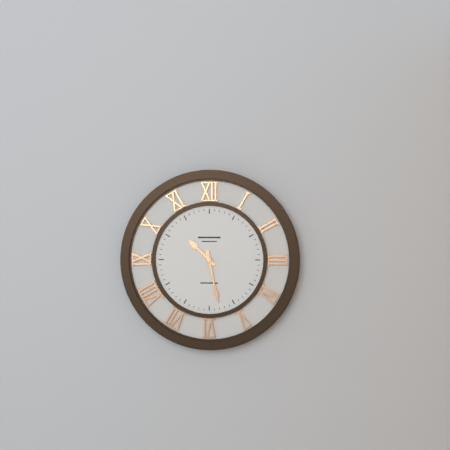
h=10 m=28
